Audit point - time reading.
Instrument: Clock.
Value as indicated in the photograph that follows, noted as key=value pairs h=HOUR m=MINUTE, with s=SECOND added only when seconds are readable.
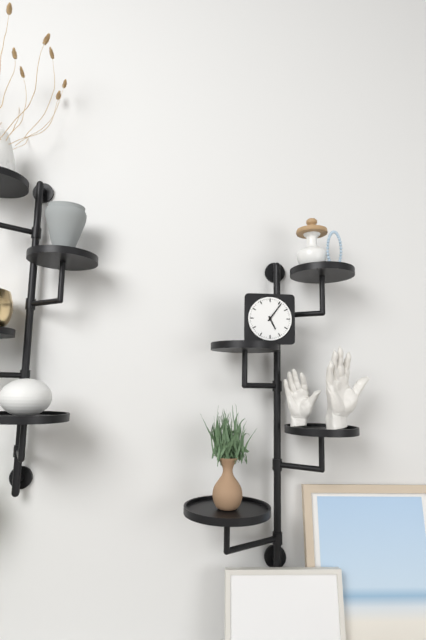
h=5 m=6
